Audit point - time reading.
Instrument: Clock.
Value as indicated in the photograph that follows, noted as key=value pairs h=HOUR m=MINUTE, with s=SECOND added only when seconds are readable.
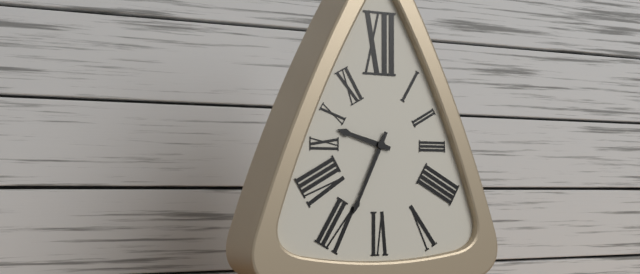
h=9 m=34
